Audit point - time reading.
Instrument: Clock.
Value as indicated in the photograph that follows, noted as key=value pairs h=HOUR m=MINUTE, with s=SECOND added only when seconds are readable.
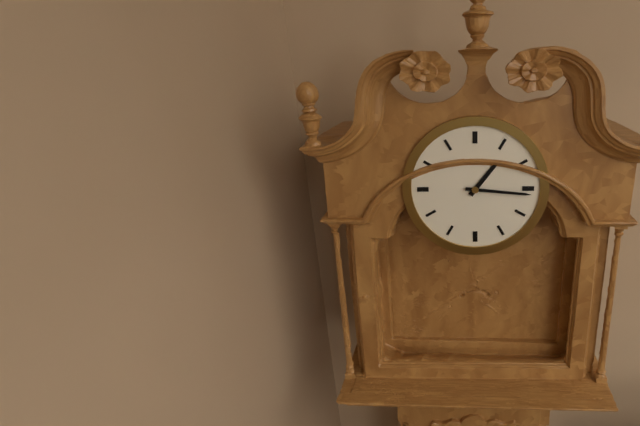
h=1 m=16
